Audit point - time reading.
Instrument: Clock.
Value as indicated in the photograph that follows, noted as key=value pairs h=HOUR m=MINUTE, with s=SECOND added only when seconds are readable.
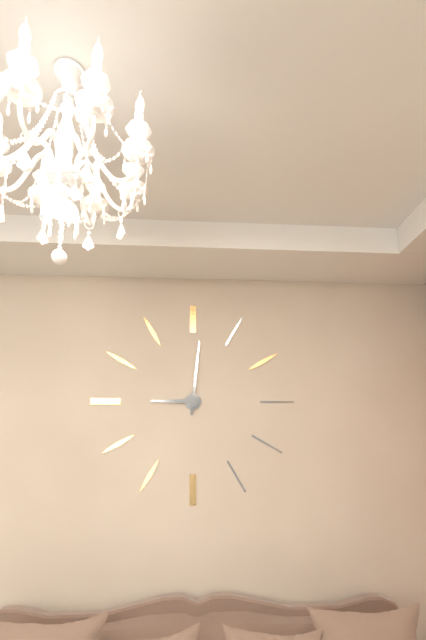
h=9 m=1
